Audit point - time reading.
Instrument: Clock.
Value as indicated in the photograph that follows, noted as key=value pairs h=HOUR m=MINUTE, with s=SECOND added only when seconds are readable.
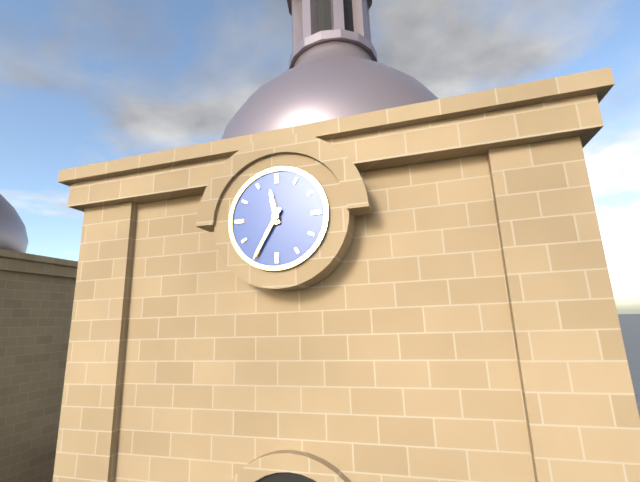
h=11 m=35
